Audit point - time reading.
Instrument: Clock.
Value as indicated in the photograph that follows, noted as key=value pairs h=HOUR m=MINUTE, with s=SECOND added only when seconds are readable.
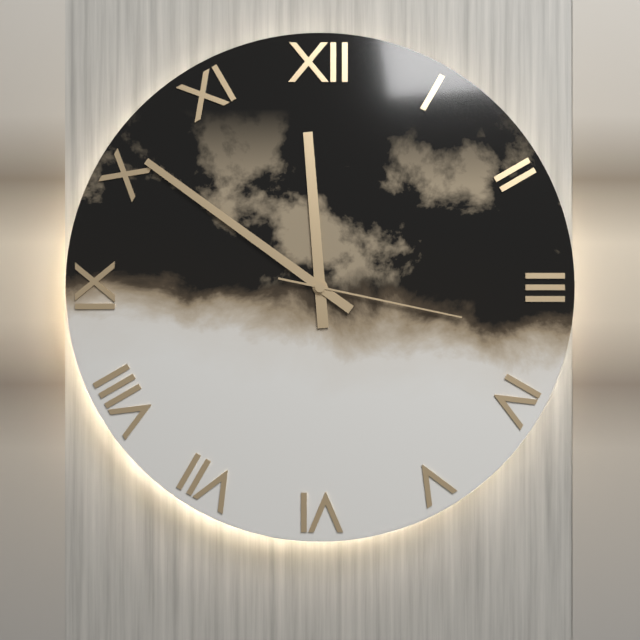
h=11 m=51 s=17
